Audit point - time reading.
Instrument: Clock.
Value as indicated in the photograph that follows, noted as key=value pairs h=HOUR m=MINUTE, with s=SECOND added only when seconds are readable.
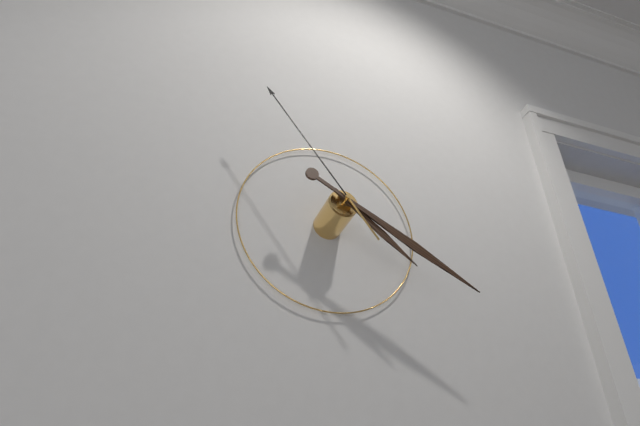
h=4 m=20 s=54
